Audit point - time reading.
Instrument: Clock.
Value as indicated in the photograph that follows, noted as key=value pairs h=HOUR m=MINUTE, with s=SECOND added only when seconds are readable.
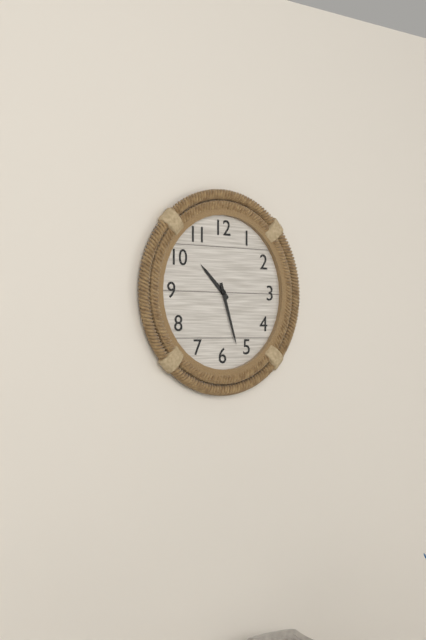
h=10 m=27
